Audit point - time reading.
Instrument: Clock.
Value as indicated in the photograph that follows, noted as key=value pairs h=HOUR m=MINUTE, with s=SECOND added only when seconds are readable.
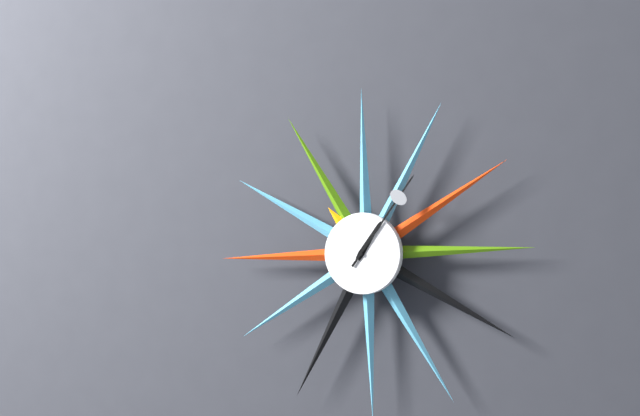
h=1 m=6
